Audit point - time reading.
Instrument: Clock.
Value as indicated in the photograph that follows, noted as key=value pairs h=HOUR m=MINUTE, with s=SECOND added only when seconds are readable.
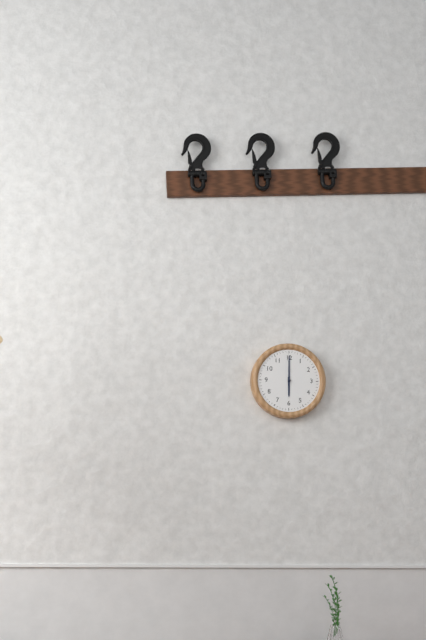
h=6 m=0
